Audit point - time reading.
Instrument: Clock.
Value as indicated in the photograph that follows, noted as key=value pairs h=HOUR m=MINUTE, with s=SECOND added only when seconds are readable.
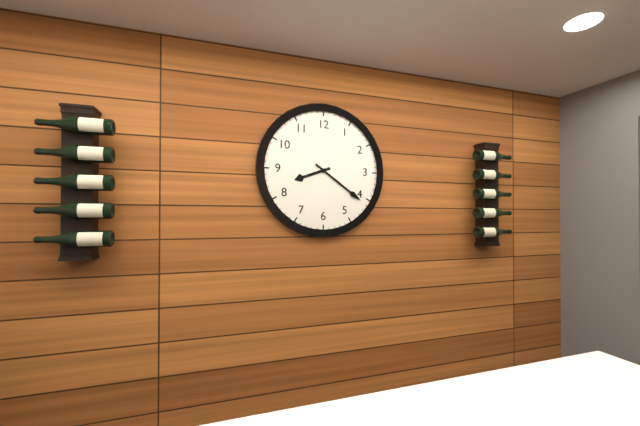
h=8 m=21
